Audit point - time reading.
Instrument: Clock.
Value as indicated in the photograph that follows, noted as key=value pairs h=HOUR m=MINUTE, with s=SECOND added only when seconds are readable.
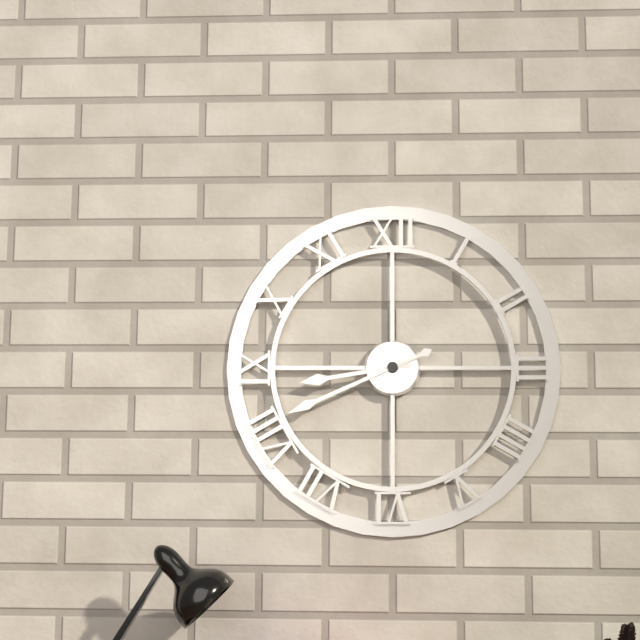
h=8 m=41
